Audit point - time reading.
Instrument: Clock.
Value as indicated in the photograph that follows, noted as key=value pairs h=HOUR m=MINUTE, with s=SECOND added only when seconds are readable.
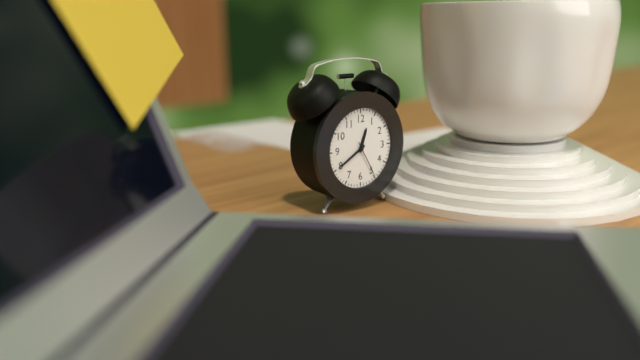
h=12 m=40
